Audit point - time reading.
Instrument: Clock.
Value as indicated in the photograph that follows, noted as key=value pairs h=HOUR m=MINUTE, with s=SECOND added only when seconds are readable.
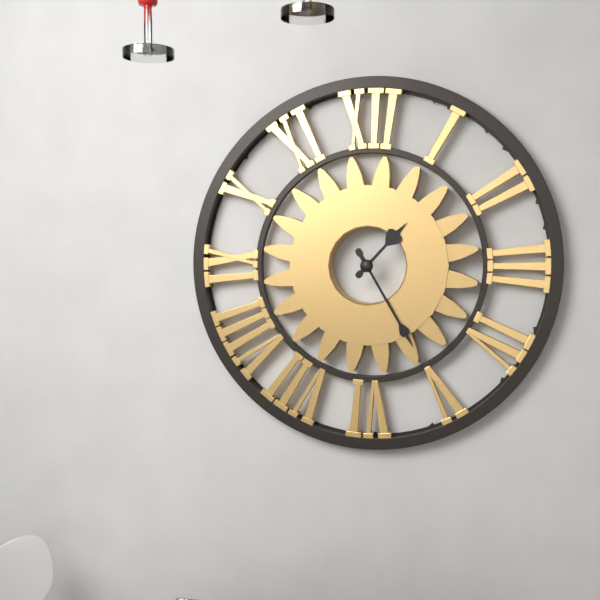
h=1 m=25
